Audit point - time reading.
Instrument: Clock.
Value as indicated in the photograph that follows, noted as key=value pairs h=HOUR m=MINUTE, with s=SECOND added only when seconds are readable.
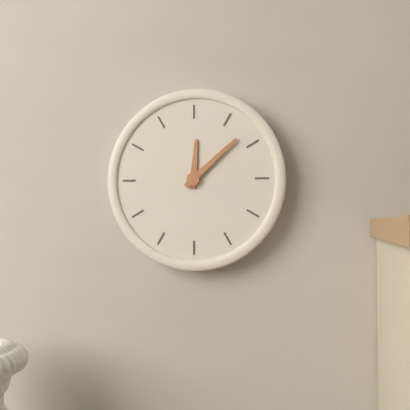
h=12 m=8
